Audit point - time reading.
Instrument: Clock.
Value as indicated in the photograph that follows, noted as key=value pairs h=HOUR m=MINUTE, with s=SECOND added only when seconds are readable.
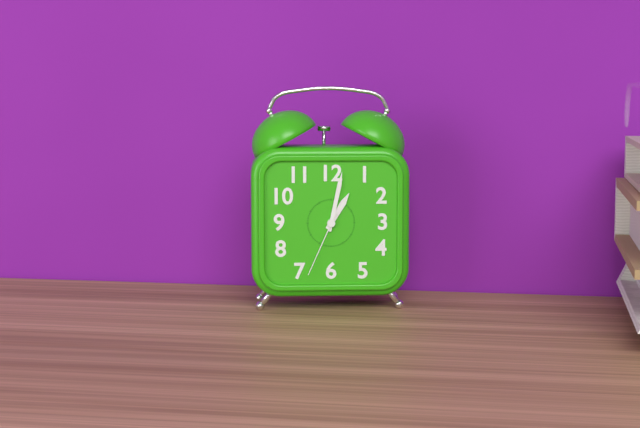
h=1 m=2 s=34
